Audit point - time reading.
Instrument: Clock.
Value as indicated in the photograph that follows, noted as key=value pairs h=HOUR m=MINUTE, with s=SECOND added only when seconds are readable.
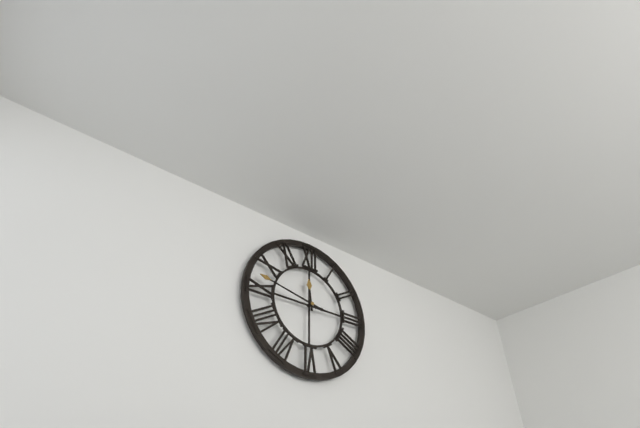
h=11 m=47
